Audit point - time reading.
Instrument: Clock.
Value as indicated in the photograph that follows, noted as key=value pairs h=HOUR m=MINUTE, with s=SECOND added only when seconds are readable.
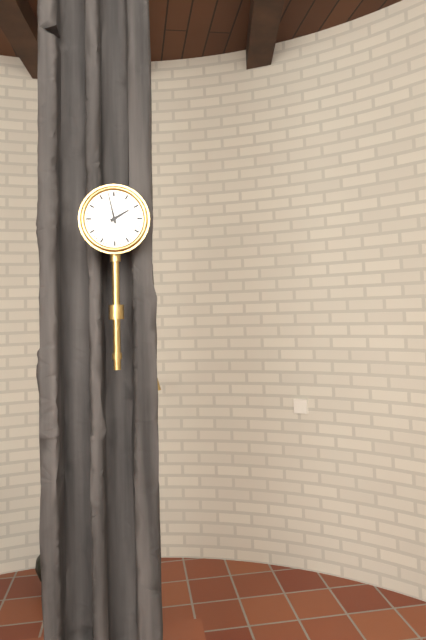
h=1 m=58
